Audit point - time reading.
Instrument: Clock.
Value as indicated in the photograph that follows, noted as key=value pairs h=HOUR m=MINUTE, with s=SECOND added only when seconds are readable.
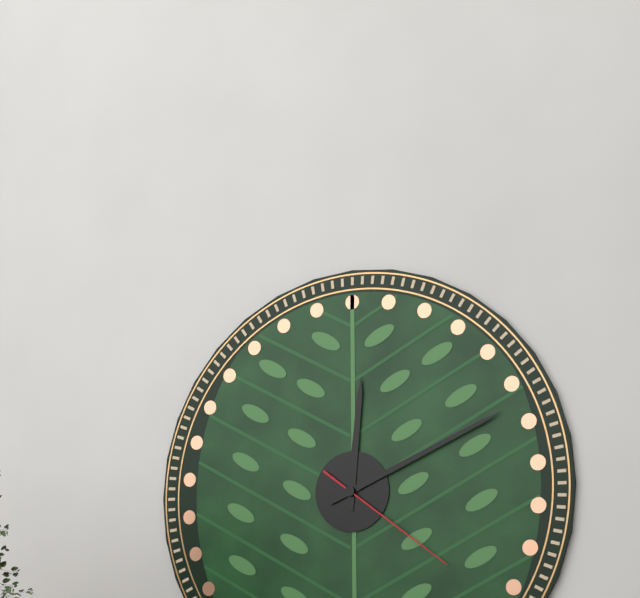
h=12 m=11 s=21
